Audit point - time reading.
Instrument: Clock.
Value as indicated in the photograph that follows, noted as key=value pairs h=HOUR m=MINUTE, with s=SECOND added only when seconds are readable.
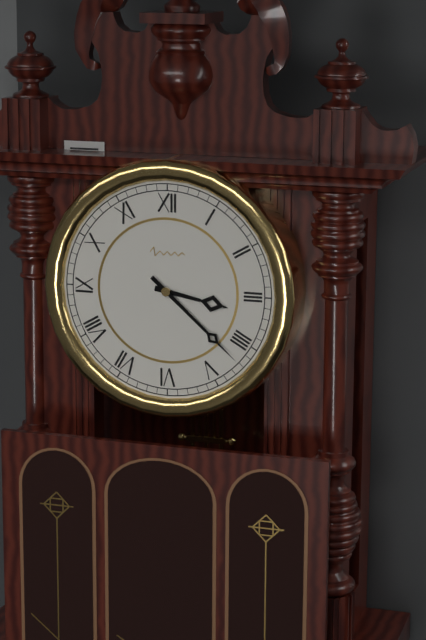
h=3 m=22
